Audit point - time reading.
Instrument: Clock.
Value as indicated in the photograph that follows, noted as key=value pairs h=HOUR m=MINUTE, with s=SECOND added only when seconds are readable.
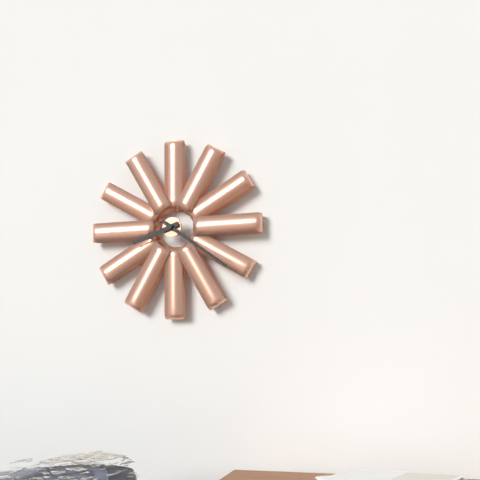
h=8 m=21
